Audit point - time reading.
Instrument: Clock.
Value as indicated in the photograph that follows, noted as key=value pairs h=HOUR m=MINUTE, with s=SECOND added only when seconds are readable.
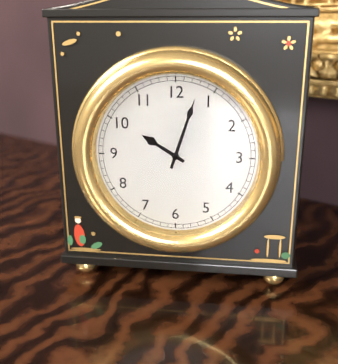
h=10 m=3
